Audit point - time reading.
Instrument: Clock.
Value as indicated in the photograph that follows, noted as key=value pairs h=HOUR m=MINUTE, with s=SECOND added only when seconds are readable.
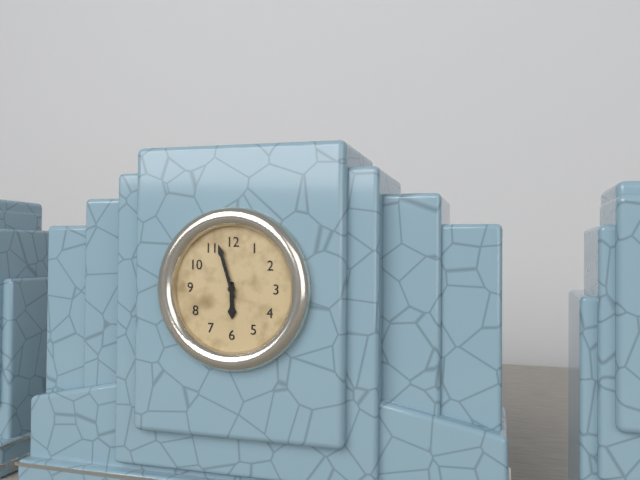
h=5 m=57
